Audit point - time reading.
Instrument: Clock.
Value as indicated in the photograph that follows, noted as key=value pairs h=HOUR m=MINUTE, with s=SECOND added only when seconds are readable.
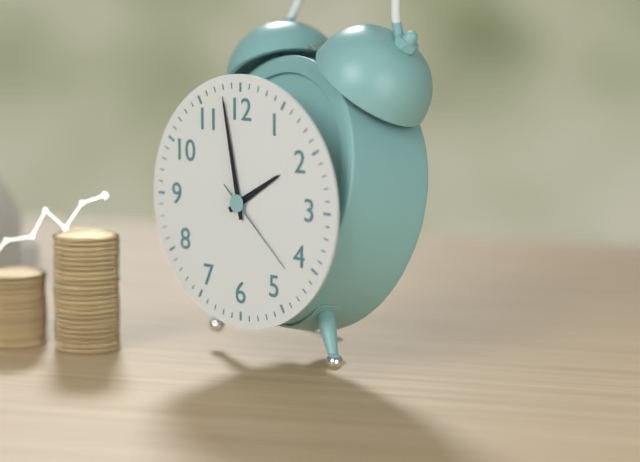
h=1 m=58 s=22
